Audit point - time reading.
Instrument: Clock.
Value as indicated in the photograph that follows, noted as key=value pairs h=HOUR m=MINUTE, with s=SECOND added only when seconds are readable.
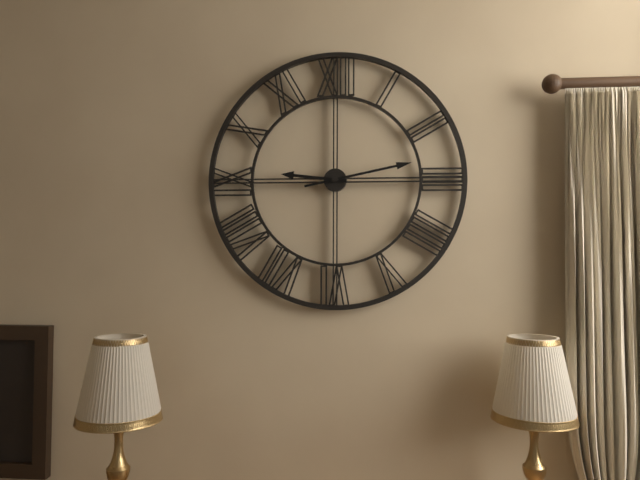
h=9 m=13
